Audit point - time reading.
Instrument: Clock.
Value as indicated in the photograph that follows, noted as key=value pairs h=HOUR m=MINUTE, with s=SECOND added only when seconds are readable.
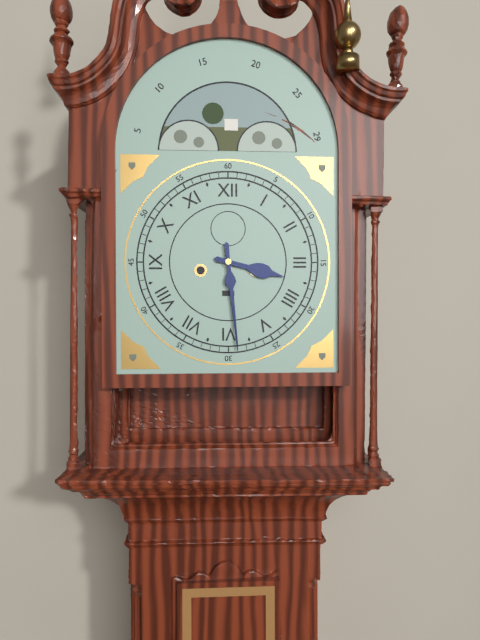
h=3 m=29
